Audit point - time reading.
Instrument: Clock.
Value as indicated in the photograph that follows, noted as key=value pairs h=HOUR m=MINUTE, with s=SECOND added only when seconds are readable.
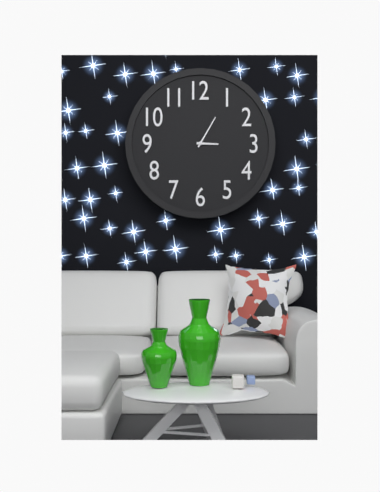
h=3 m=5
